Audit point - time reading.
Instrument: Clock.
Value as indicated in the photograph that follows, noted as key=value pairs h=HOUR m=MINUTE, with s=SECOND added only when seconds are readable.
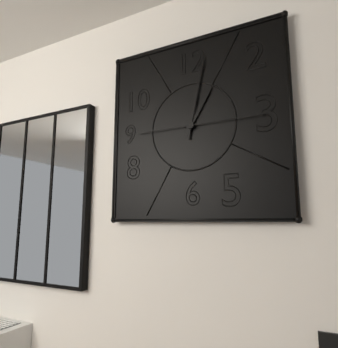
h=1 m=2 s=15
